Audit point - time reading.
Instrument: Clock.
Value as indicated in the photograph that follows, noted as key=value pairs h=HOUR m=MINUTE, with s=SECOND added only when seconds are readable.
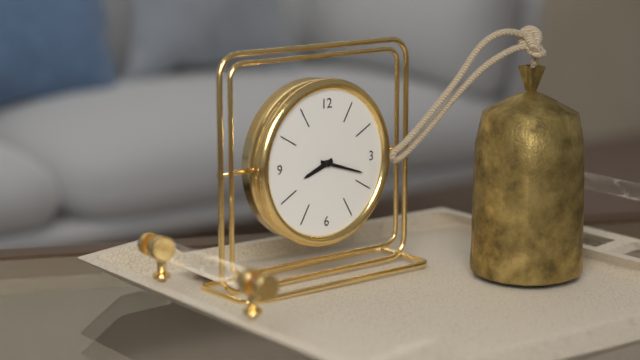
h=8 m=18
